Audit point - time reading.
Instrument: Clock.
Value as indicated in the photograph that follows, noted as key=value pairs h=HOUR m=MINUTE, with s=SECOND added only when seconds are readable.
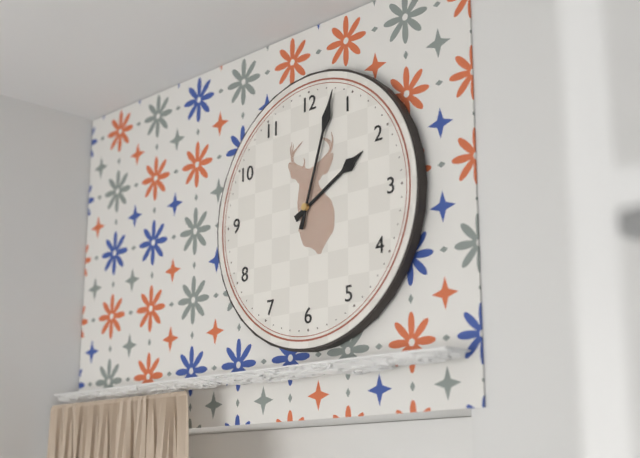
h=2 m=3
